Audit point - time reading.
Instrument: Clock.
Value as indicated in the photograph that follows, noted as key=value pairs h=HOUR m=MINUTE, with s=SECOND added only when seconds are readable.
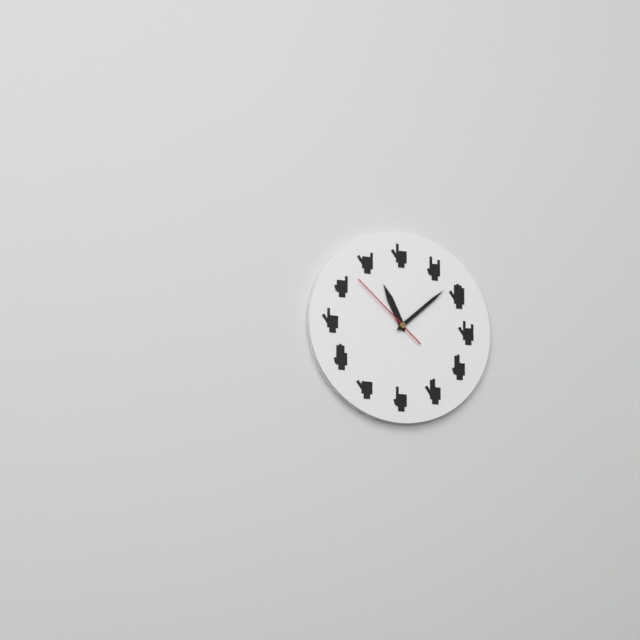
h=11 m=8 s=52
